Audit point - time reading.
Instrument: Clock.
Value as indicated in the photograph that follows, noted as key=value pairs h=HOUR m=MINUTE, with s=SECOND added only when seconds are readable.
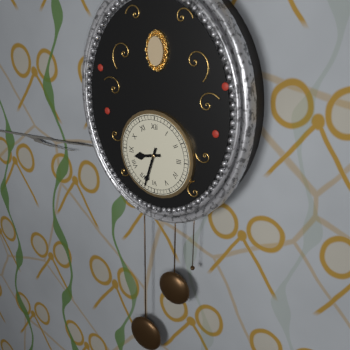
h=8 m=33
